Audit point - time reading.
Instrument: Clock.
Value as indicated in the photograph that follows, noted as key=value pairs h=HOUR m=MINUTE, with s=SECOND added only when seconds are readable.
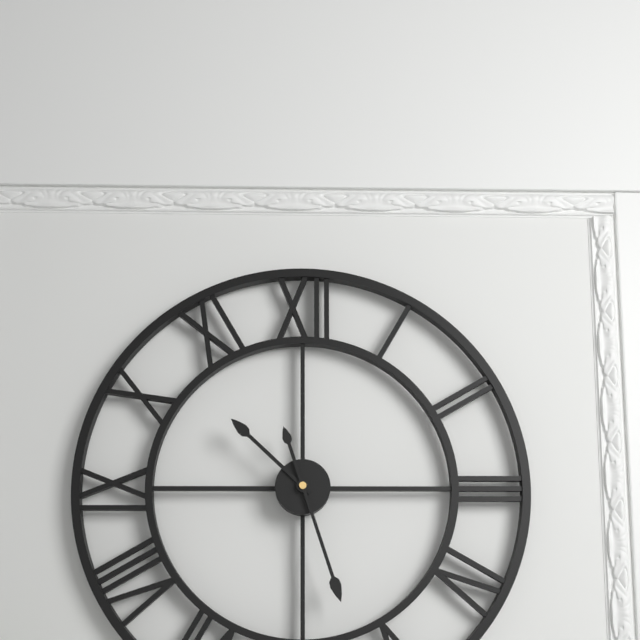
h=10 m=27
